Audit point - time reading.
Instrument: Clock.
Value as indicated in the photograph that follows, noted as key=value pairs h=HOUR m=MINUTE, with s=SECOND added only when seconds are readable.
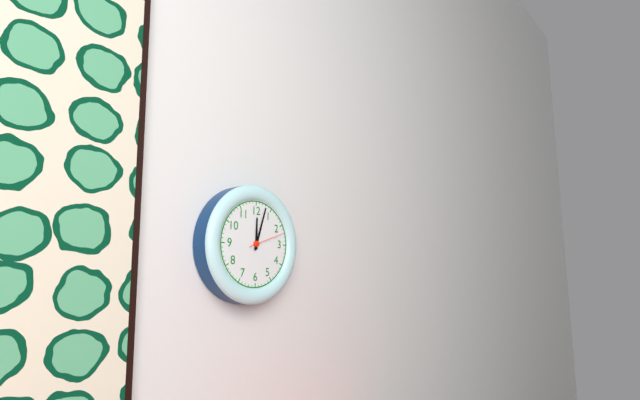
h=12 m=3 s=12
